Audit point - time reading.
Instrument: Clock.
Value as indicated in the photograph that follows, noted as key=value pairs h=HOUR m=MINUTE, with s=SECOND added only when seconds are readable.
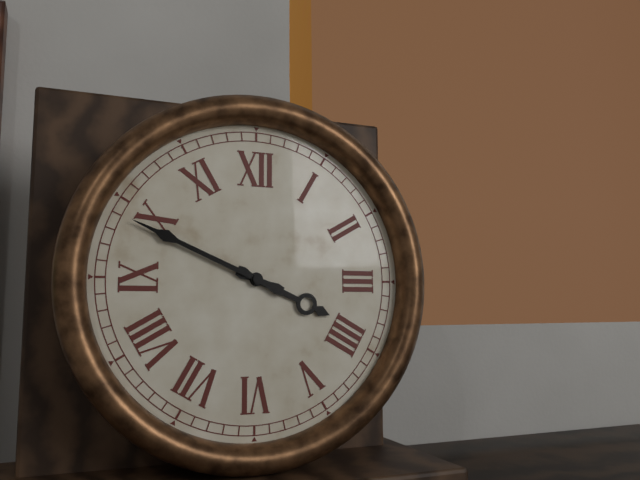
h=3 m=49
